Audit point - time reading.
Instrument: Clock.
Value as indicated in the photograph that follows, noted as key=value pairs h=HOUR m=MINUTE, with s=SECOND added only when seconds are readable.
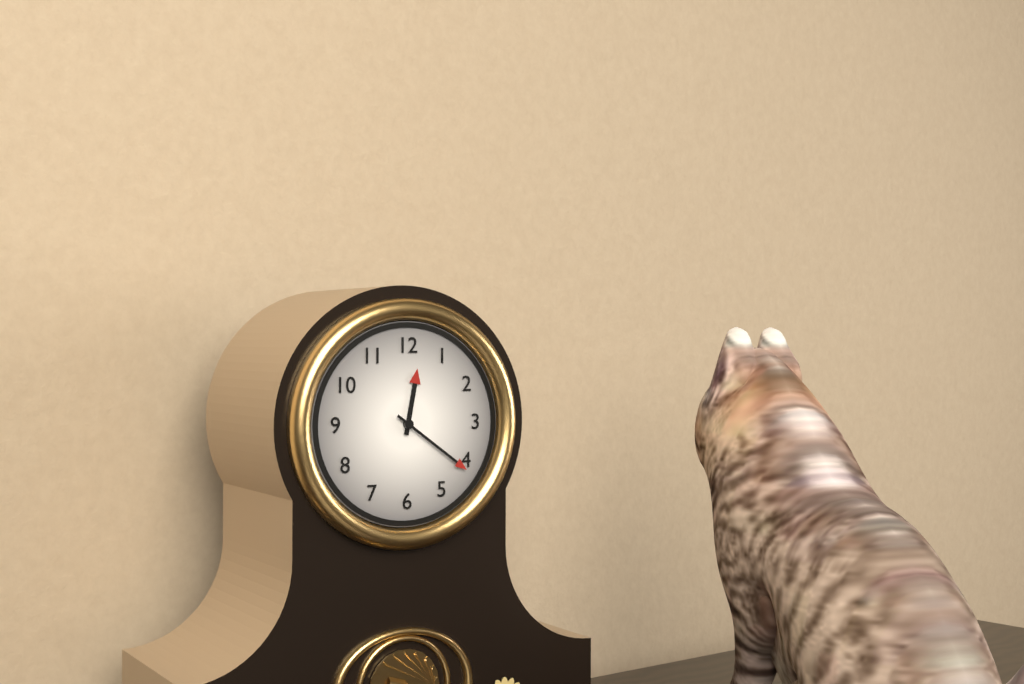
h=12 m=21
